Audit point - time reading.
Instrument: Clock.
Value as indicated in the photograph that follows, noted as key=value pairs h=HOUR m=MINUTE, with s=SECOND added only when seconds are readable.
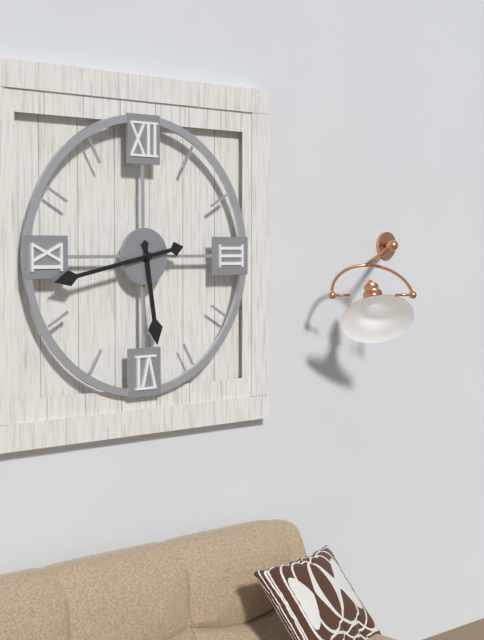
h=5 m=43
